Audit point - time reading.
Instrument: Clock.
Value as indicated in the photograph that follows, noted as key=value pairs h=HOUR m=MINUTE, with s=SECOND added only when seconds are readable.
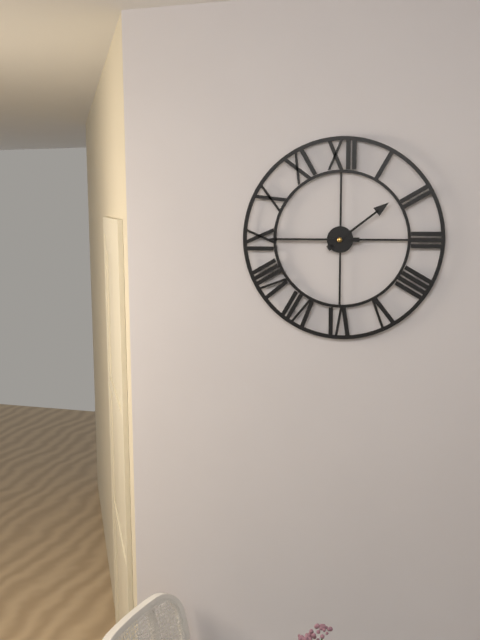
h=1 m=45
